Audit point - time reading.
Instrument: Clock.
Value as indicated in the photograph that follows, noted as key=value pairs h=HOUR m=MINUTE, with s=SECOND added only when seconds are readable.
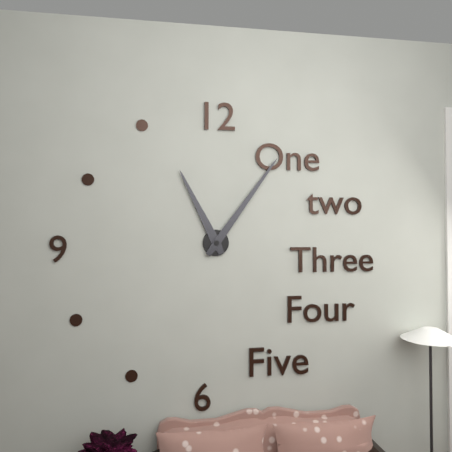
h=11 m=6
